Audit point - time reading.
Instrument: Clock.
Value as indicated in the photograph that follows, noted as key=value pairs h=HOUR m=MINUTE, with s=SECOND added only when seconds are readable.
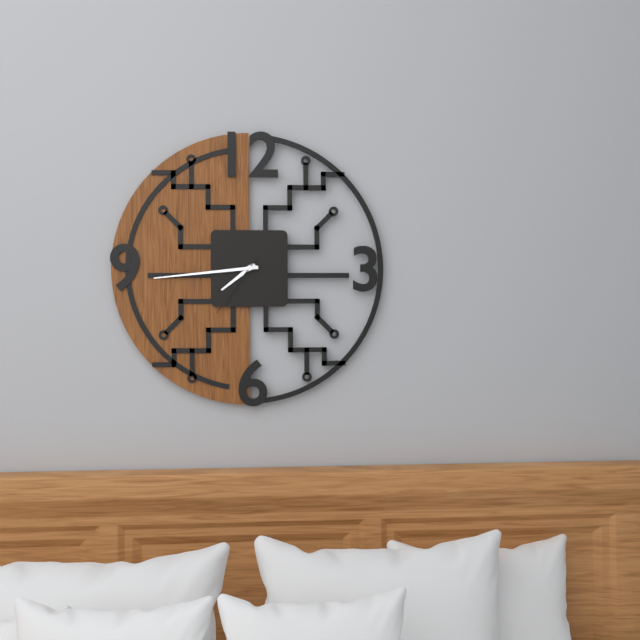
h=7 m=44 s=36
